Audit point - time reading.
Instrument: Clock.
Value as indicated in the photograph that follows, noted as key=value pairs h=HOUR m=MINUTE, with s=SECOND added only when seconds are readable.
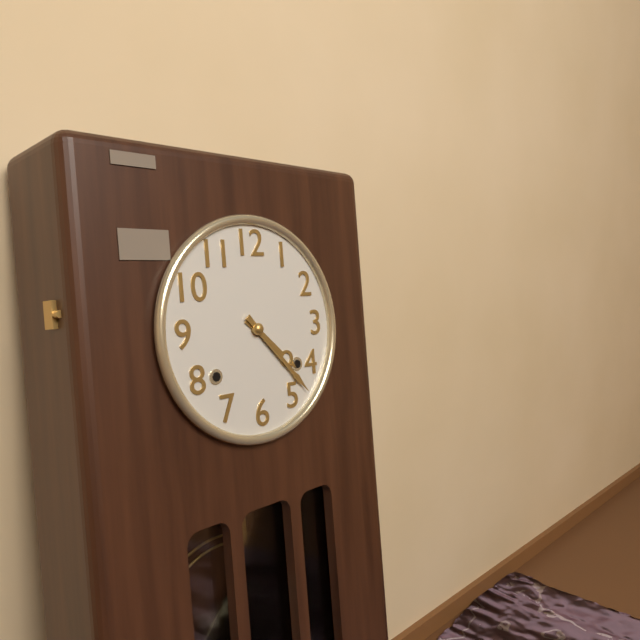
h=4 m=23
